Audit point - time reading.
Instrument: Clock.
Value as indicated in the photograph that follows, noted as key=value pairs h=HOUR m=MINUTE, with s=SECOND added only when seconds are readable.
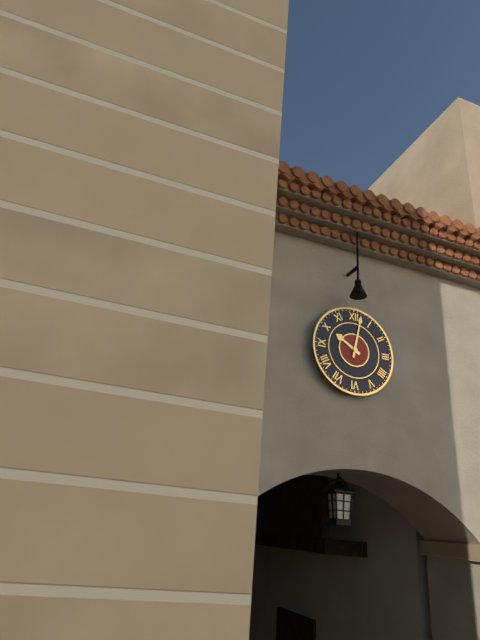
h=10 m=2
